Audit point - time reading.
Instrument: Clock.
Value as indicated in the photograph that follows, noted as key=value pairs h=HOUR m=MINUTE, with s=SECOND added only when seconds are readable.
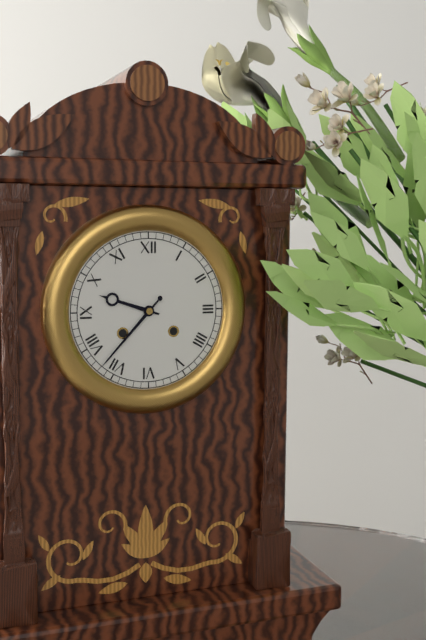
h=9 m=37
